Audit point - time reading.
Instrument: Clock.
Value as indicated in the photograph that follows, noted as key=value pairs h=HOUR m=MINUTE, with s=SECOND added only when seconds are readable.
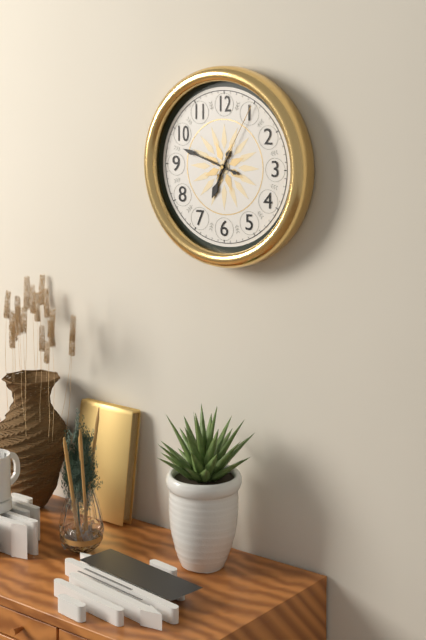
h=6 m=48 s=5
